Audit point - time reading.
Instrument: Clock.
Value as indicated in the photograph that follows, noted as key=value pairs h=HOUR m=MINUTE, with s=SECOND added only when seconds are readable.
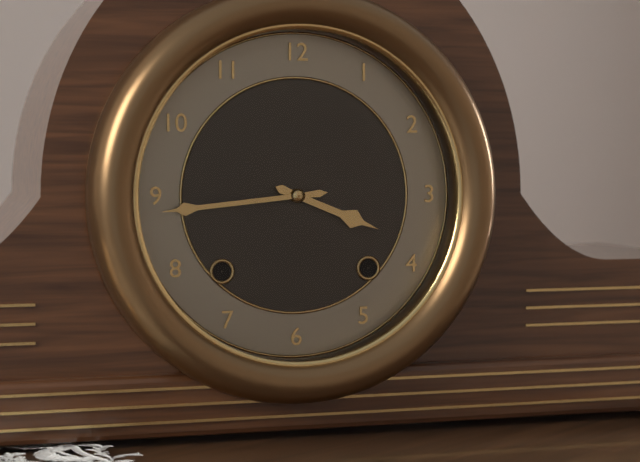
h=3 m=44
